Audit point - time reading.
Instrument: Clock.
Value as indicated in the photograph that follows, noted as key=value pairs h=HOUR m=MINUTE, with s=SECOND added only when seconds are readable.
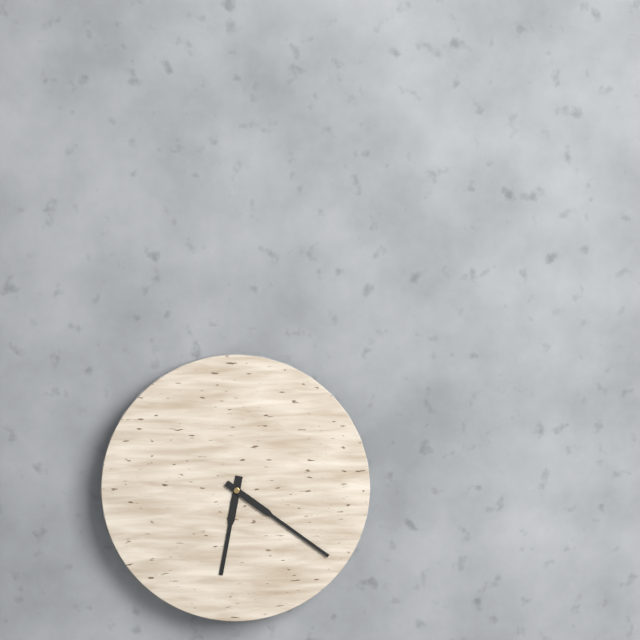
h=6 m=21
